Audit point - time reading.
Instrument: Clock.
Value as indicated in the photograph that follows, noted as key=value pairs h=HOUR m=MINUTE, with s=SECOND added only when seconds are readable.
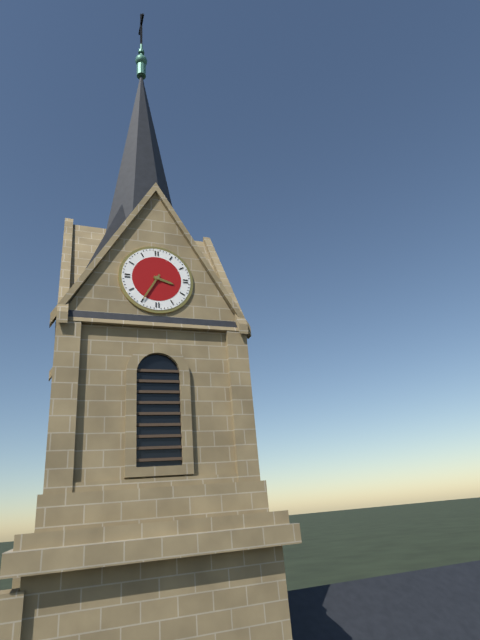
h=3 m=35
